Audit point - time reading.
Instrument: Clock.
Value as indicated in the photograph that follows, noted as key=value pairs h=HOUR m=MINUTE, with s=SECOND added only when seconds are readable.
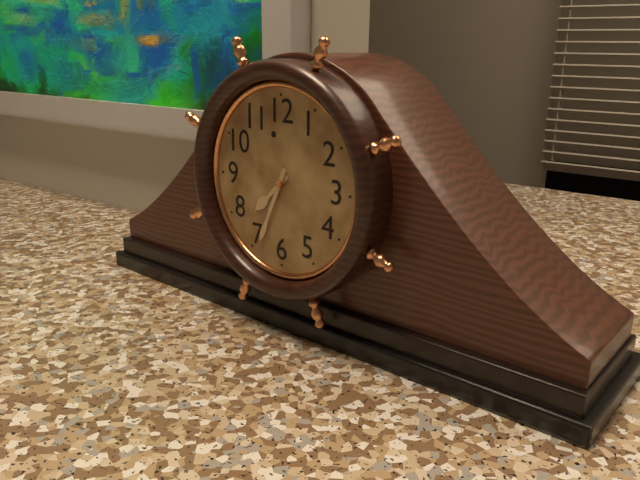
h=7 m=34
